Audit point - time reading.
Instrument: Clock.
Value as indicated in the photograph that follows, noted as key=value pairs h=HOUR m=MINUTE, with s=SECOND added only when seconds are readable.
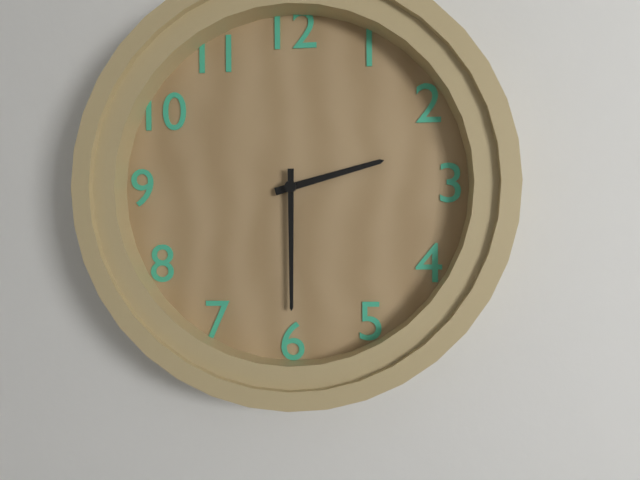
h=2 m=30
